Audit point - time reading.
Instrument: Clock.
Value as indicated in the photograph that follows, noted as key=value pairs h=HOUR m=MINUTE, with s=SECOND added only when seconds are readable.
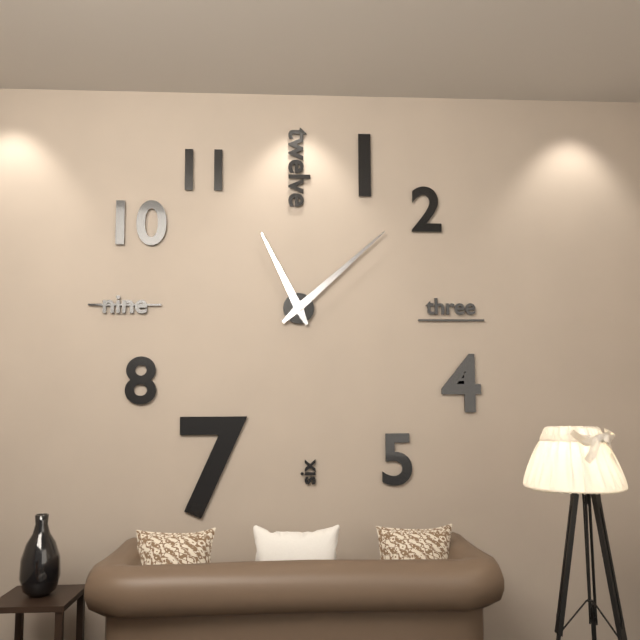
h=11 m=8
